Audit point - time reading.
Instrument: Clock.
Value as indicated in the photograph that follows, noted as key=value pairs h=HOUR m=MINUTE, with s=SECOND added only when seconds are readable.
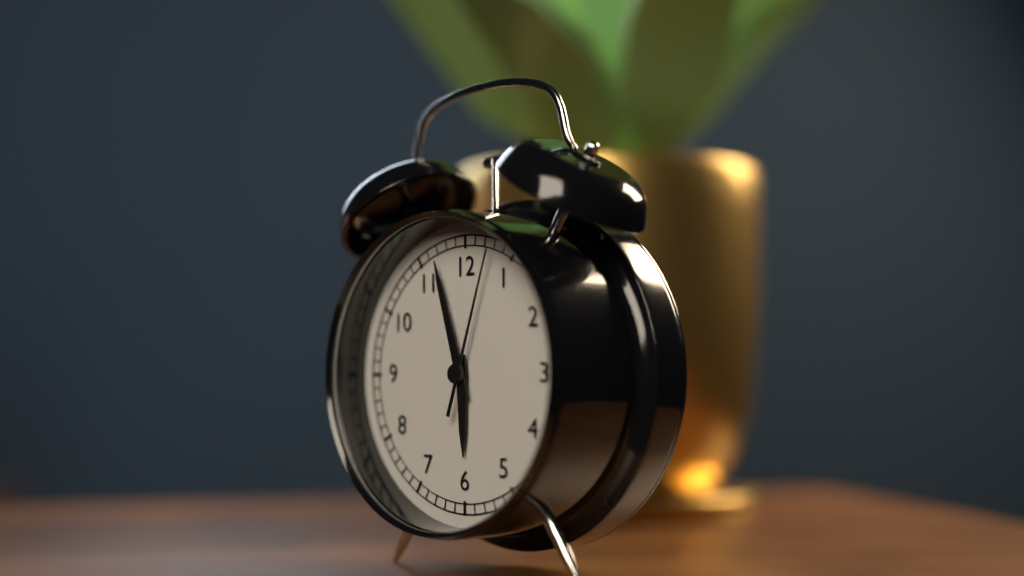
h=5 m=57 s=3
